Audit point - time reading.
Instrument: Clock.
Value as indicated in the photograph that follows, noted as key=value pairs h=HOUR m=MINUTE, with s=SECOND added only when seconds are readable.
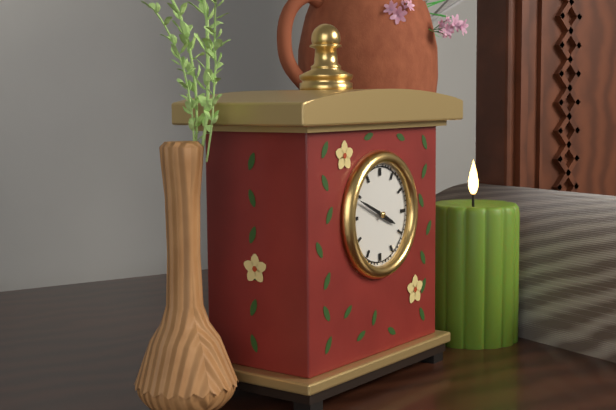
h=3 m=49
